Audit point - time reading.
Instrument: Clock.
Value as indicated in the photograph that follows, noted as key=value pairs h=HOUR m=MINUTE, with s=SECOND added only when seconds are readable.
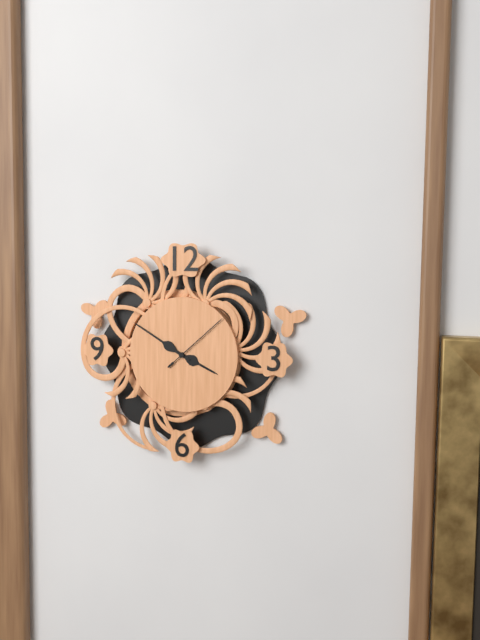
h=3 m=50 s=8
